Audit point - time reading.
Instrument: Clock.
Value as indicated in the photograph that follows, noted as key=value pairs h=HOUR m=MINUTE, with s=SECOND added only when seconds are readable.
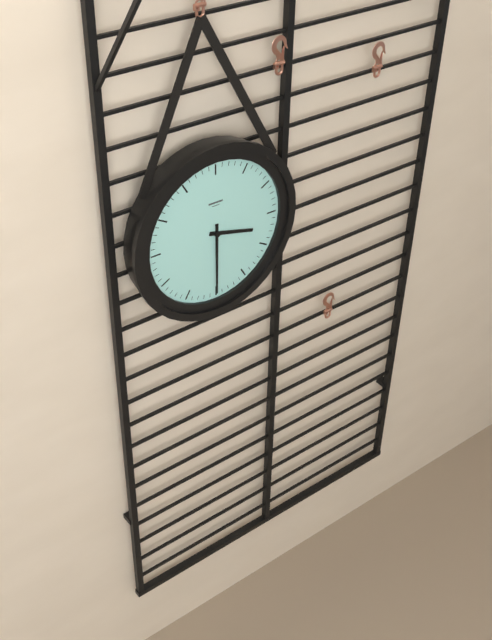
h=3 m=30
